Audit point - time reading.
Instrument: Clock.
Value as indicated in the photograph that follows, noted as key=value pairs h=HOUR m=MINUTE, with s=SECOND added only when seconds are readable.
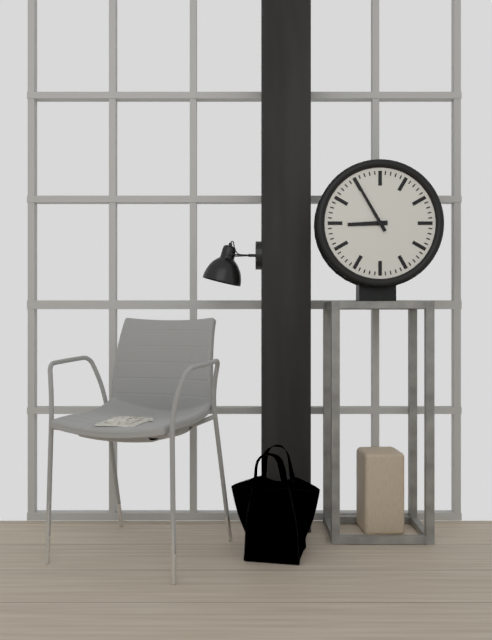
h=8 m=55
